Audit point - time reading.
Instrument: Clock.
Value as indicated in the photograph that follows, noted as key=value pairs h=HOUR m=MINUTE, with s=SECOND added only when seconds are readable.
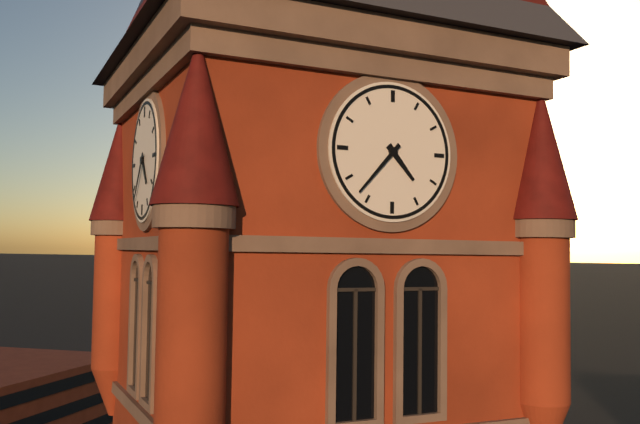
h=4 m=37
